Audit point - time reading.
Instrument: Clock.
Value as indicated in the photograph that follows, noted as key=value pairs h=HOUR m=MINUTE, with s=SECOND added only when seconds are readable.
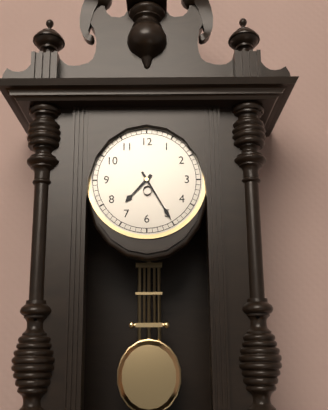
h=7 m=25
